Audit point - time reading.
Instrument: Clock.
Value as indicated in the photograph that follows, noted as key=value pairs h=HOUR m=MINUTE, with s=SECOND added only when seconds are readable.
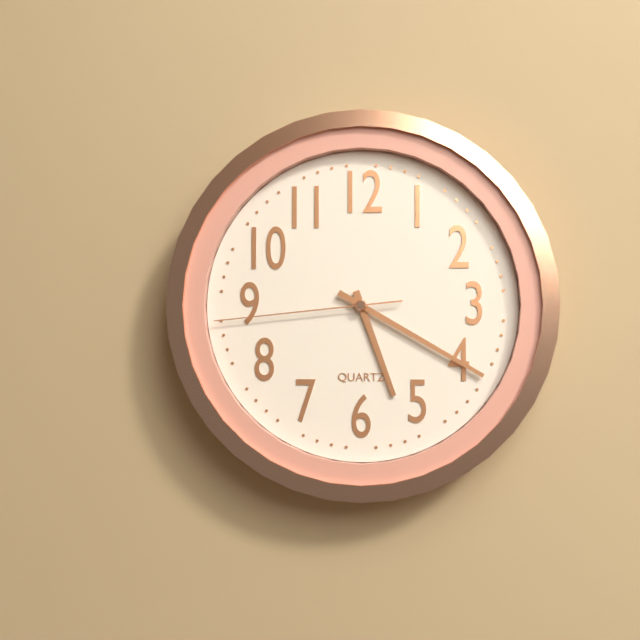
h=5 m=20 s=44
